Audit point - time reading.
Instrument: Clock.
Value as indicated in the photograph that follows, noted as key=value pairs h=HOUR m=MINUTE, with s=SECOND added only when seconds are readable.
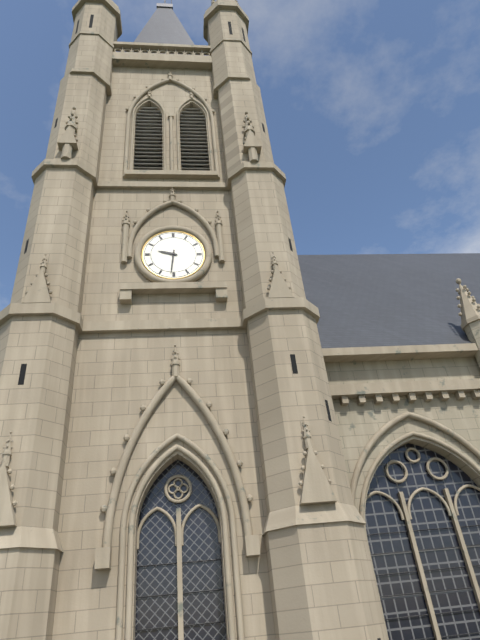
h=9 m=31
